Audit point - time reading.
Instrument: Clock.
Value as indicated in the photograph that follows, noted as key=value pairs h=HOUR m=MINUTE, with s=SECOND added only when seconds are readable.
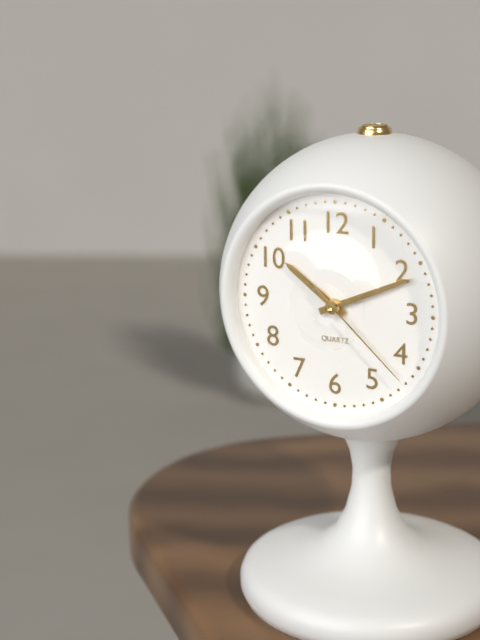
h=10 m=11 s=22
